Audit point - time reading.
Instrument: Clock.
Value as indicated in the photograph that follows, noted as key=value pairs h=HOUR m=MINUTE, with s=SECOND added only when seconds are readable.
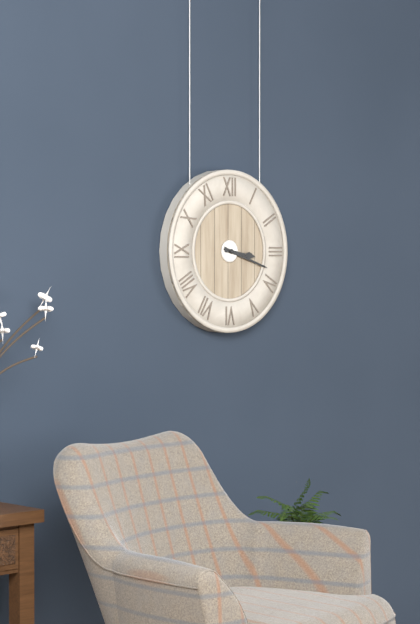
h=3 m=18
